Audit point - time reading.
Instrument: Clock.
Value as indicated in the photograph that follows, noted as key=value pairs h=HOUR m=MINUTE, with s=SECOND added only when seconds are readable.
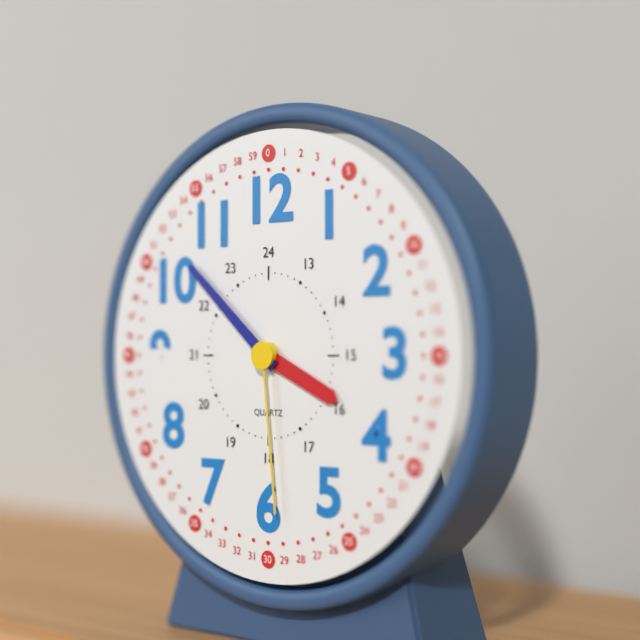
h=3 m=52 s=29
